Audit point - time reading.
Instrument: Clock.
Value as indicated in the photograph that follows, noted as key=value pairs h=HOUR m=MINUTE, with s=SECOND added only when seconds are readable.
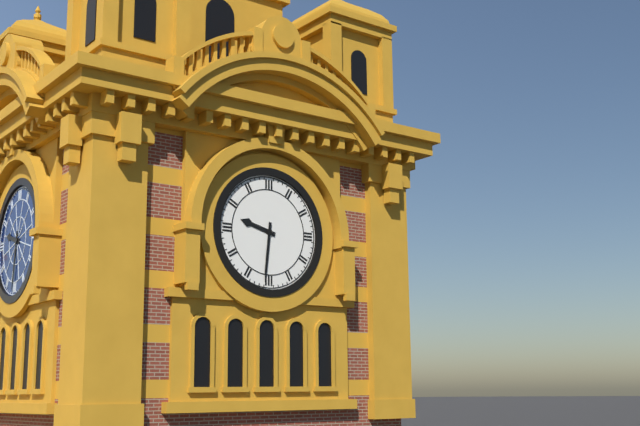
h=9 m=31
